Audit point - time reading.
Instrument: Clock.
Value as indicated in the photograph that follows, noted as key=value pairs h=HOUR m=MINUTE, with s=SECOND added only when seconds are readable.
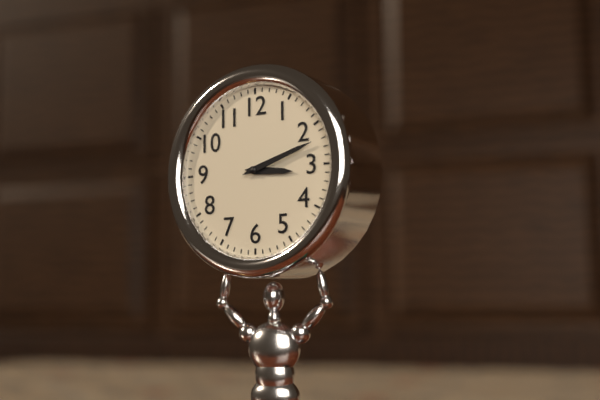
h=3 m=12
